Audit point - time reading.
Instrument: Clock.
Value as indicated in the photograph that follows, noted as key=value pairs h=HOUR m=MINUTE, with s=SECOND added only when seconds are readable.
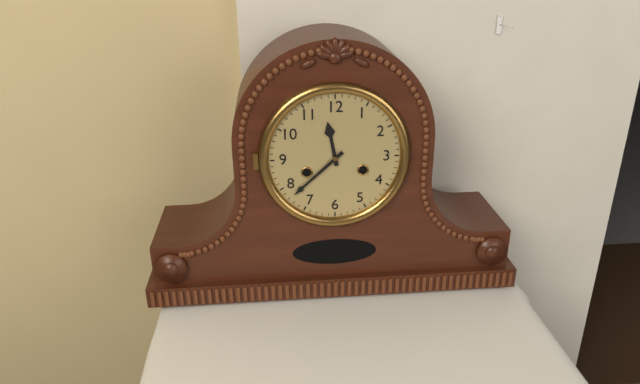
h=11 m=38
